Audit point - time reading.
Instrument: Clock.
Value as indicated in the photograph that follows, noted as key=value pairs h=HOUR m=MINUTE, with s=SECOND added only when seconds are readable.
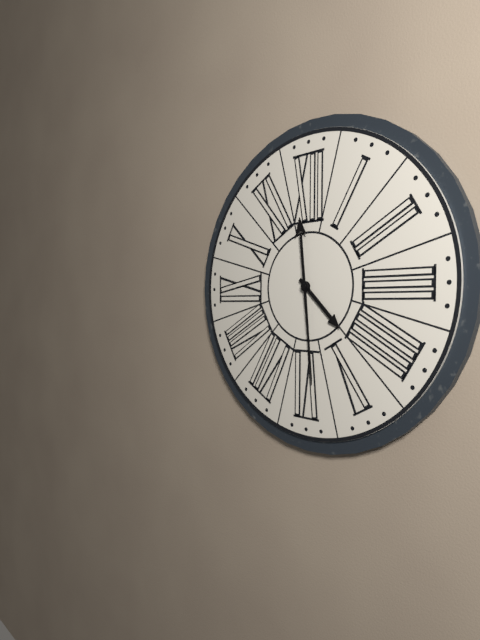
h=4 m=29
